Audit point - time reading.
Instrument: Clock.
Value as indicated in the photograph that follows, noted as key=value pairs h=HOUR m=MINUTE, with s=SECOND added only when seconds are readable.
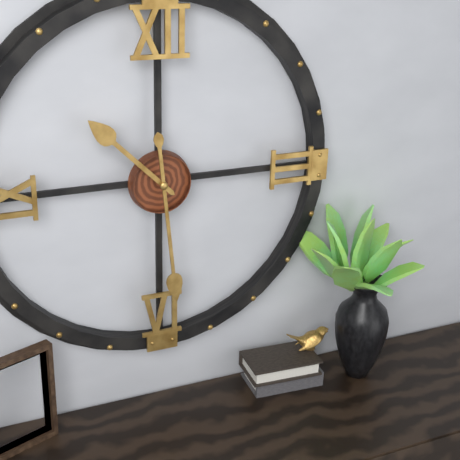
h=10 m=29
